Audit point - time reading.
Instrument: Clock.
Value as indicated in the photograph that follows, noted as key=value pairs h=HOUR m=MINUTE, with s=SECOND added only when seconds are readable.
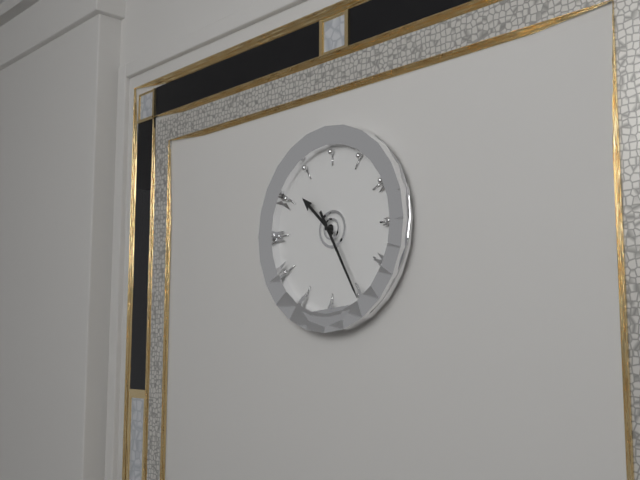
h=10 m=25
